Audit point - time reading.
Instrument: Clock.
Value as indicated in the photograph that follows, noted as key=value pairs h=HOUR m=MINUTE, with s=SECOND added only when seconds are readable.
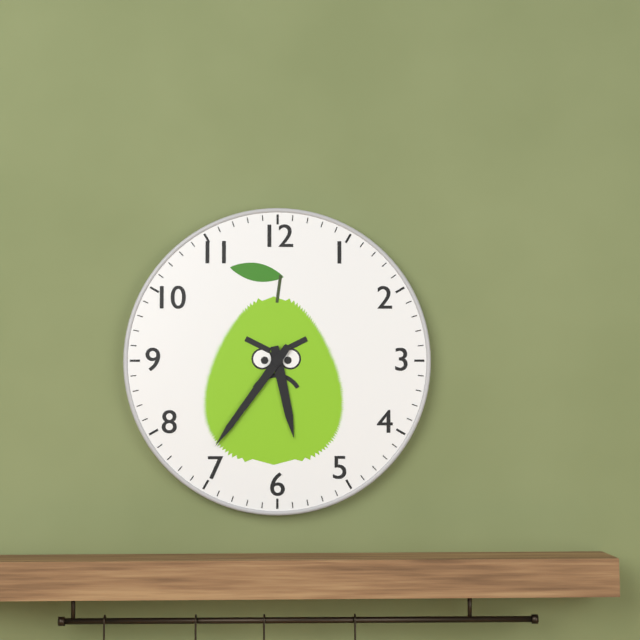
h=5 m=36
